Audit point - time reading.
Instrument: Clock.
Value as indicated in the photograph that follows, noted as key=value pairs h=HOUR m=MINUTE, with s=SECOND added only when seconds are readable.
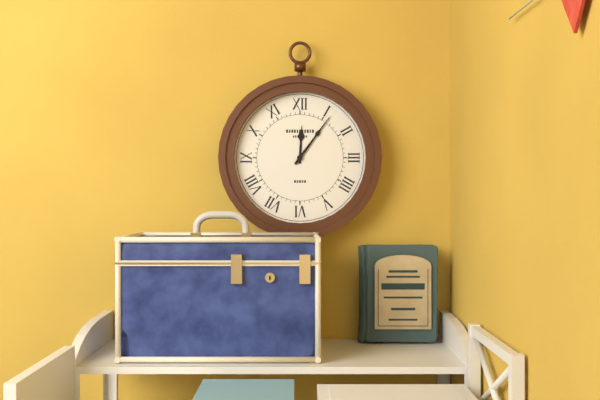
h=12 m=6
